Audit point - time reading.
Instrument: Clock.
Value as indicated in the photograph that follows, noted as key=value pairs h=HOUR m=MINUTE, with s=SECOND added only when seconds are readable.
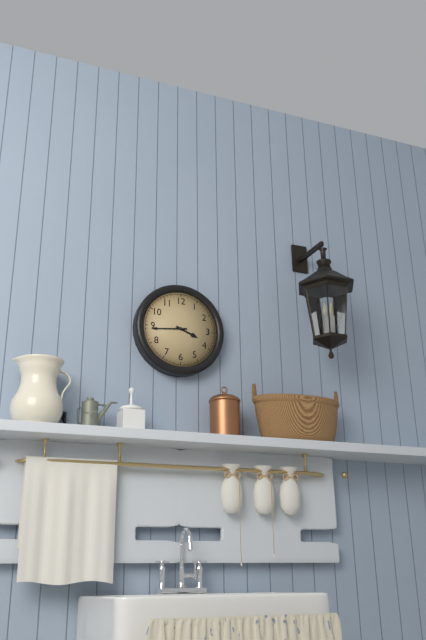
h=3 m=44
